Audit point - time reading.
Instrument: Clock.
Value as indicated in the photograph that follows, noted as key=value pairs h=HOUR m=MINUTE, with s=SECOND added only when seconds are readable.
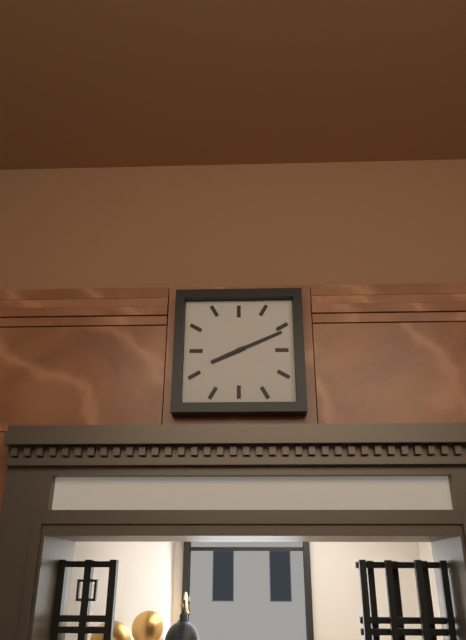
h=8 m=11
